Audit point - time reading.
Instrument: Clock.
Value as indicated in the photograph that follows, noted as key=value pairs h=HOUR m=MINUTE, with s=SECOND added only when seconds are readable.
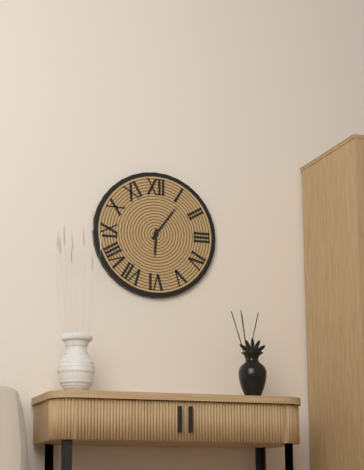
h=6 m=6
